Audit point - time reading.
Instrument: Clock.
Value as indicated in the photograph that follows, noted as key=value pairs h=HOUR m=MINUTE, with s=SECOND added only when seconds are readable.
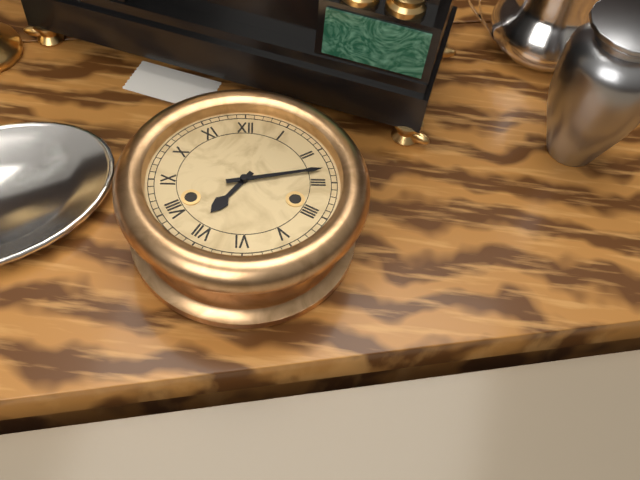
h=7 m=13
